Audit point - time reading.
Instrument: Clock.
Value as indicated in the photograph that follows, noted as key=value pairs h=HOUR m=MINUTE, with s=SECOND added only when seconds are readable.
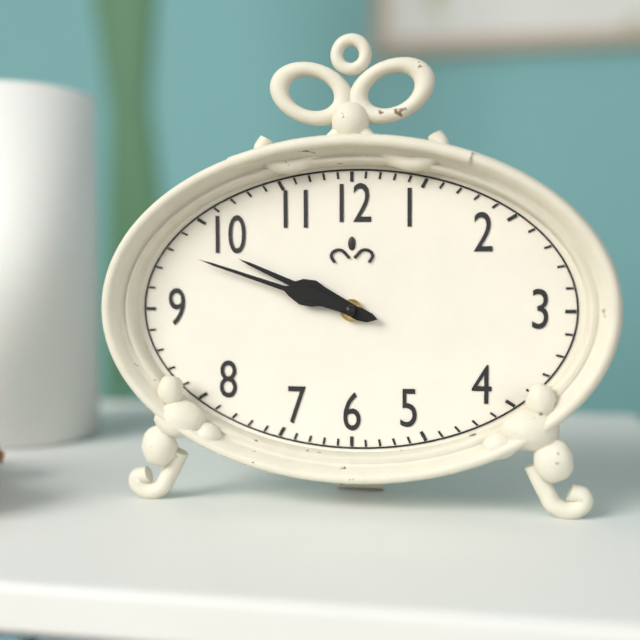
h=9 m=48
